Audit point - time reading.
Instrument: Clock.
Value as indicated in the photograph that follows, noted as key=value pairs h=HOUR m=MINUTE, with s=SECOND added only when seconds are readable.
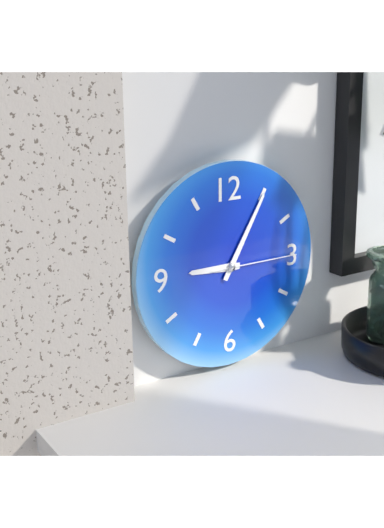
h=9 m=5 s=15
